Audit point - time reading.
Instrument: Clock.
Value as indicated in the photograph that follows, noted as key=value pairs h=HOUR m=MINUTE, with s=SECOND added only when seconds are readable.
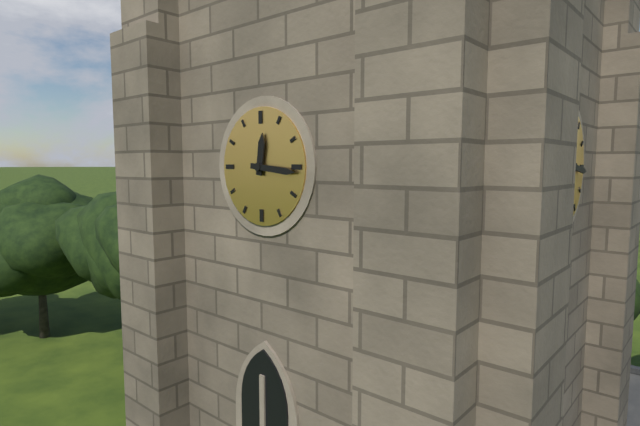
h=12 m=16
